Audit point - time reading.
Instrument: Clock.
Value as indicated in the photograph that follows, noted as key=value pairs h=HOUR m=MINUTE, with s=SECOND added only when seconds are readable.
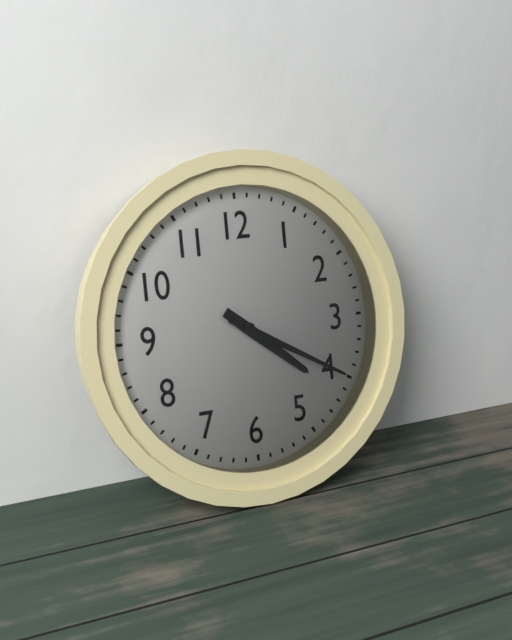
h=4 m=20
